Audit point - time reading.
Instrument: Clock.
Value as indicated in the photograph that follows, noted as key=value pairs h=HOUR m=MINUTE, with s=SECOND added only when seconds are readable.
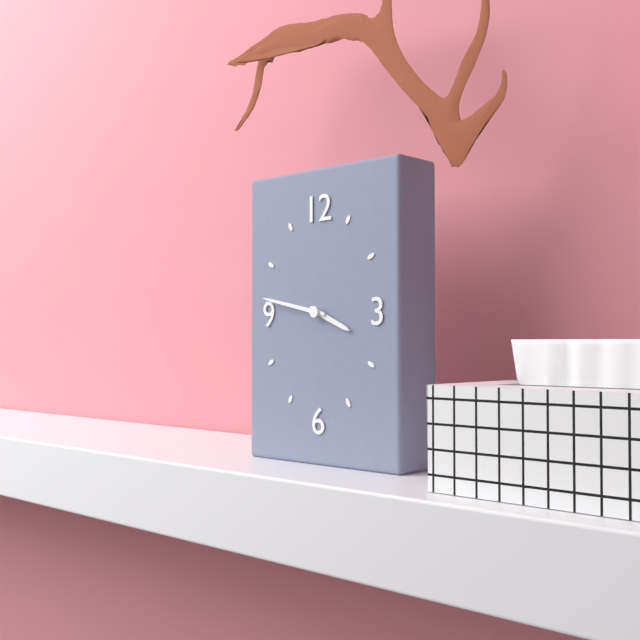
h=3 m=47
